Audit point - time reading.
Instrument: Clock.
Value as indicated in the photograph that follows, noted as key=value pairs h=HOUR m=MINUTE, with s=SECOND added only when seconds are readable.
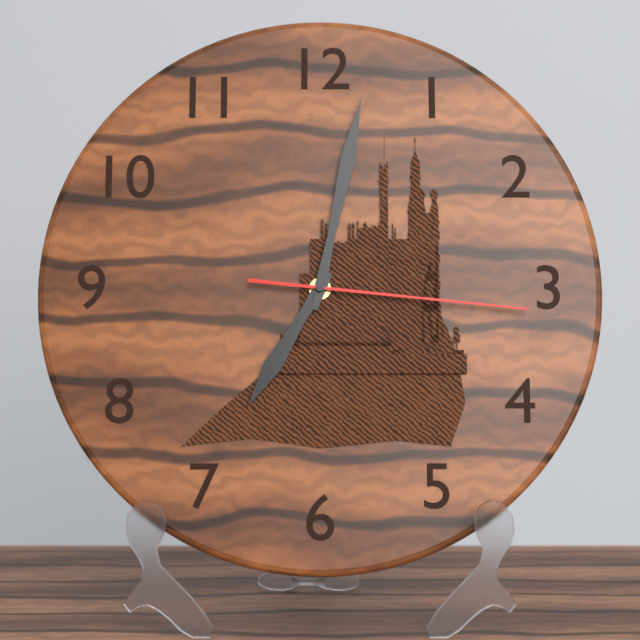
h=7 m=2 s=16
